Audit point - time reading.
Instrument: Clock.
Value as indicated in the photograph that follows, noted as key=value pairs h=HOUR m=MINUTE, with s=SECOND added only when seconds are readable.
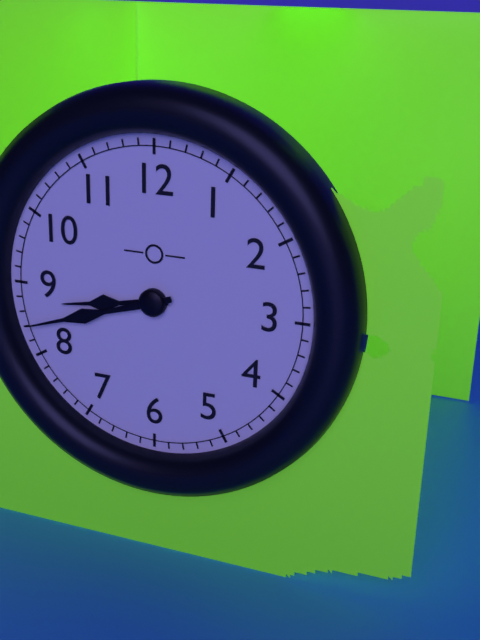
h=8 m=42
